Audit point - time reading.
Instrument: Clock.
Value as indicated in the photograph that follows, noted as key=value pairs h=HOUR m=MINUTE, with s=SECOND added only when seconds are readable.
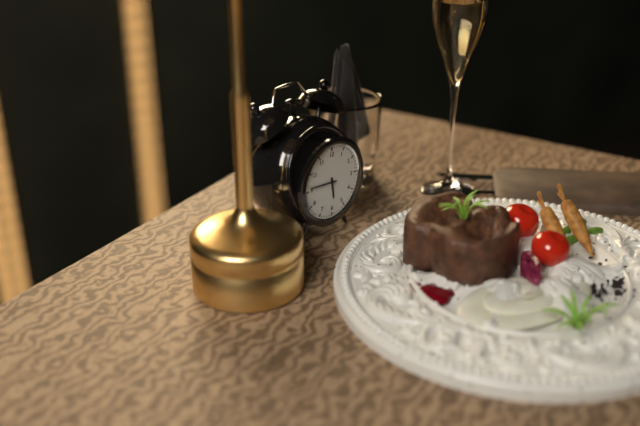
h=5 m=46
